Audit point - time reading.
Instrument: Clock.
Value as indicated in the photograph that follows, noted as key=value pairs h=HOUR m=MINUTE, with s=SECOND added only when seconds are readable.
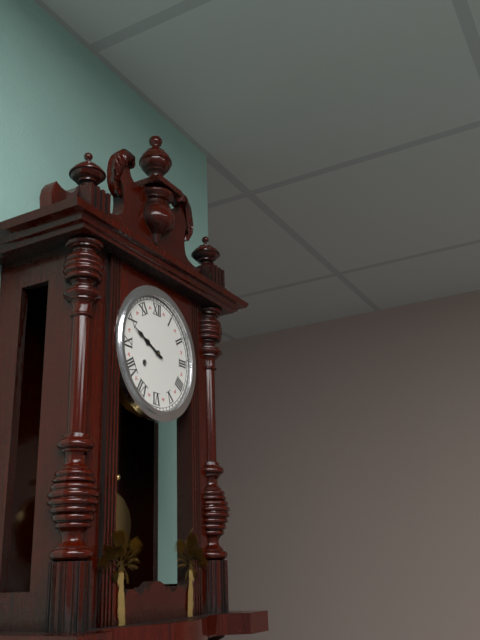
h=9 m=49
